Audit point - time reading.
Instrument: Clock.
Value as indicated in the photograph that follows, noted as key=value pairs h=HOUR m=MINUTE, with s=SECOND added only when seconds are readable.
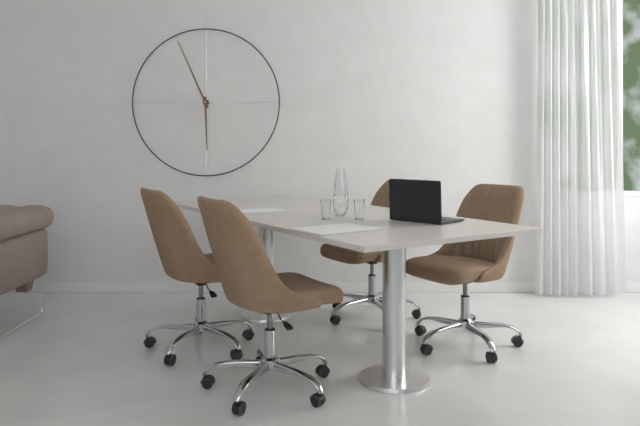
h=5 m=56
